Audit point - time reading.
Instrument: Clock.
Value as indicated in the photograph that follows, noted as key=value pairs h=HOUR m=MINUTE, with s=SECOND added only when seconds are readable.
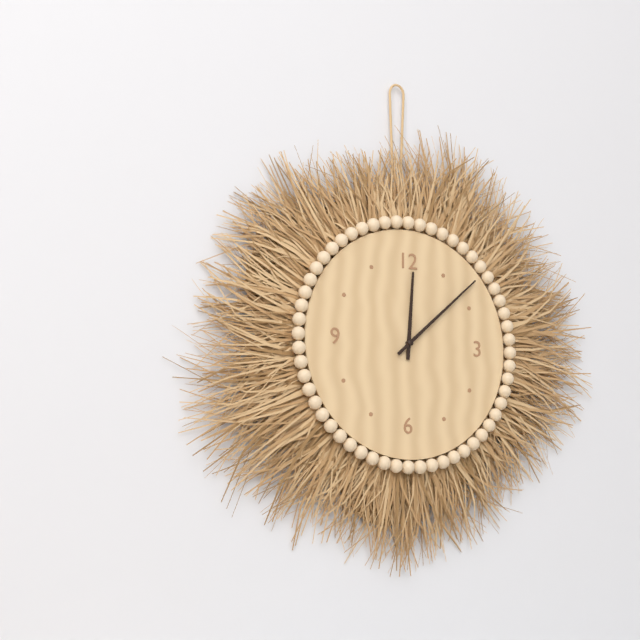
h=12 m=8
